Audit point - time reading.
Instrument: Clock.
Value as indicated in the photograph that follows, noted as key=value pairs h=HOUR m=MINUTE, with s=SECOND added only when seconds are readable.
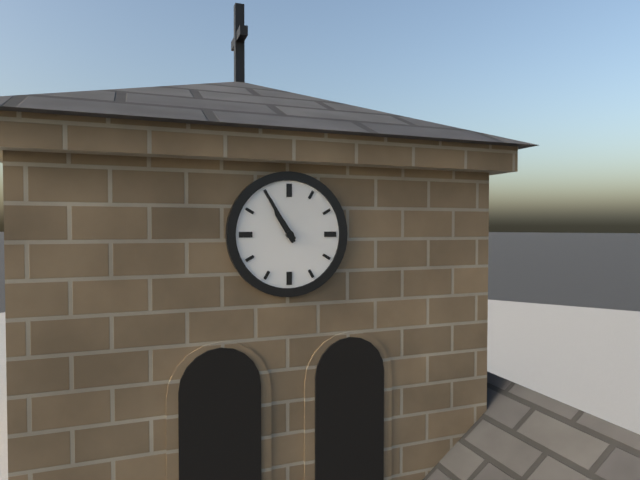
h=10 m=55
